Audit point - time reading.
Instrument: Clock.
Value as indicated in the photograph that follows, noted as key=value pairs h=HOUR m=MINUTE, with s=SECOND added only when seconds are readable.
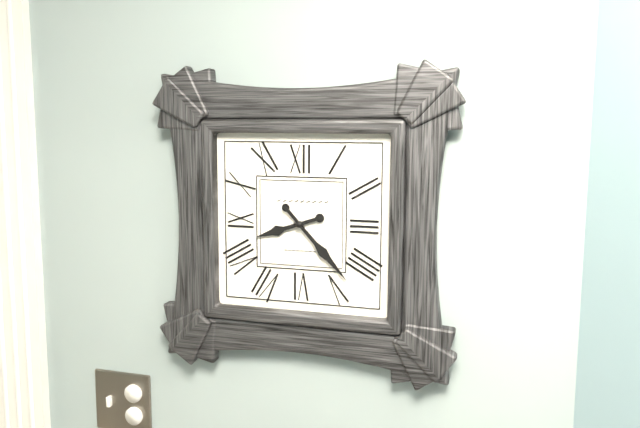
h=8 m=23
